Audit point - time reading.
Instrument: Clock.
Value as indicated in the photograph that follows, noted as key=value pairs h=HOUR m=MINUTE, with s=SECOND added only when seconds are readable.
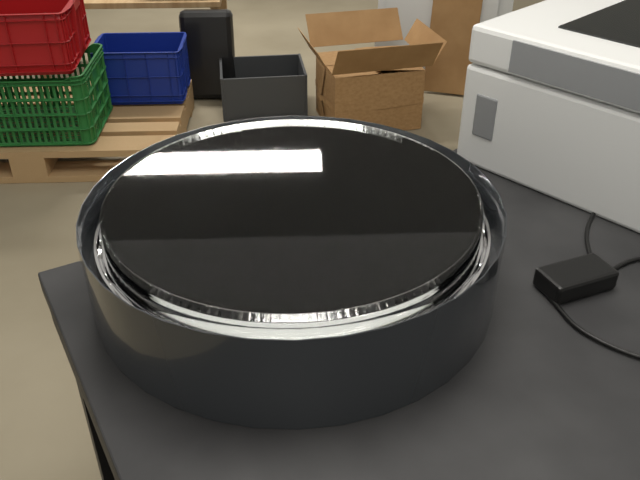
h=3 m=7
